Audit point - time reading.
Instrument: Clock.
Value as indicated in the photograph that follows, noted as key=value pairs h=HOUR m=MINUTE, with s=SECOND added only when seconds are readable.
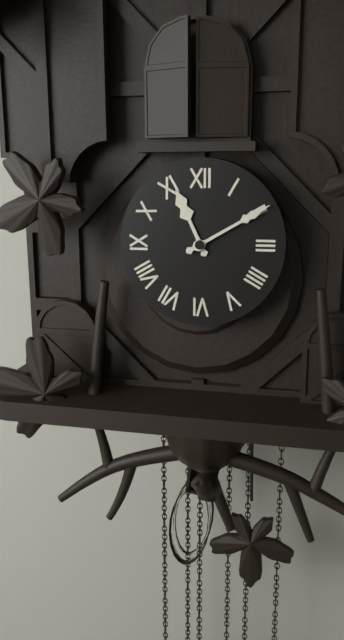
h=11 m=10
